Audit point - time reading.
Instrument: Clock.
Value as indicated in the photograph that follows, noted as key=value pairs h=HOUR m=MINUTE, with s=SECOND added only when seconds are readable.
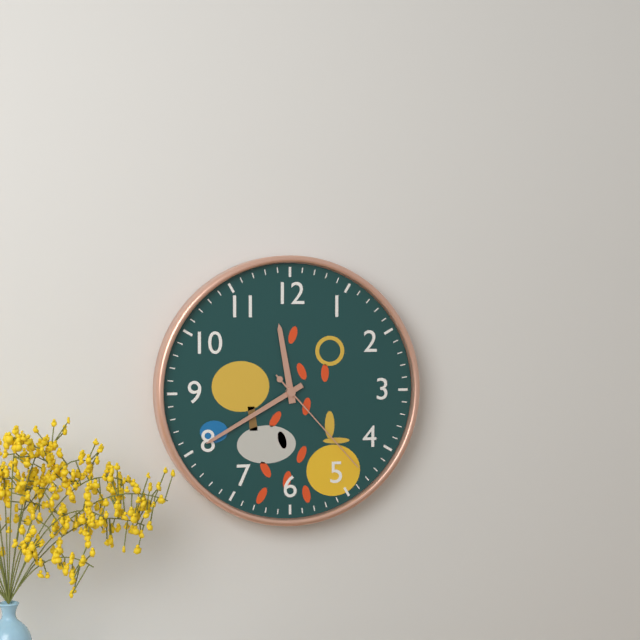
h=11 m=40 s=23
